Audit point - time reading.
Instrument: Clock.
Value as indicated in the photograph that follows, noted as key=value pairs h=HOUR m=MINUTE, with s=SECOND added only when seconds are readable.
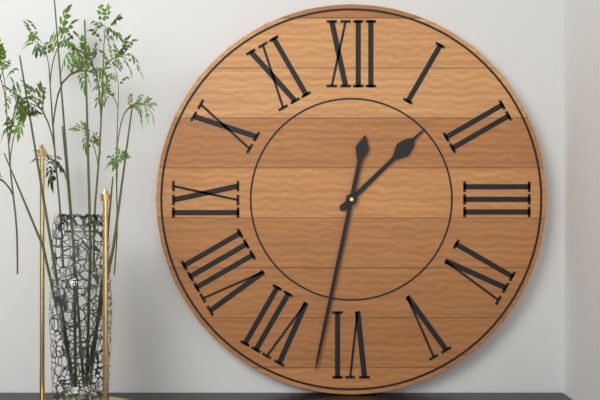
h=1 m=32
